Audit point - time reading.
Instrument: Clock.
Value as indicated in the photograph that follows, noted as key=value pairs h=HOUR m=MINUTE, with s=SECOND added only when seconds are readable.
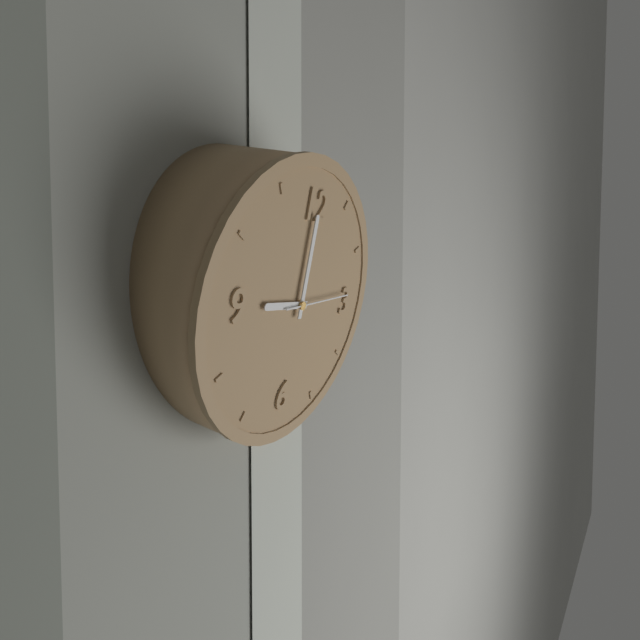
h=9 m=0 s=14
